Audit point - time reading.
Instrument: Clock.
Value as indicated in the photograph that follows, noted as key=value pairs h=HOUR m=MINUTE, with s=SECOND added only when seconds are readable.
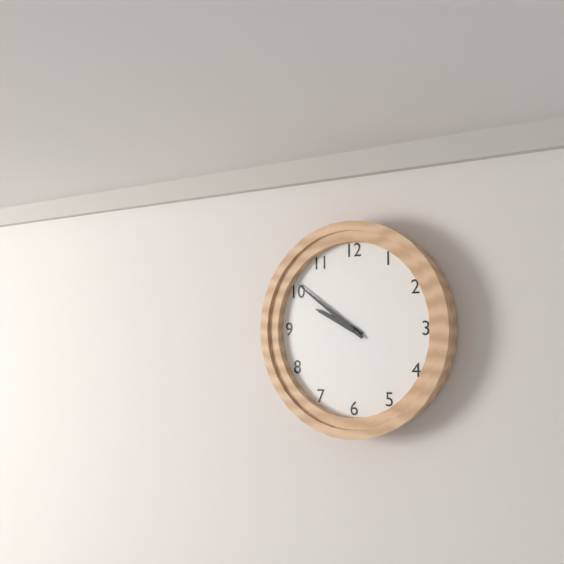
h=9 m=51
